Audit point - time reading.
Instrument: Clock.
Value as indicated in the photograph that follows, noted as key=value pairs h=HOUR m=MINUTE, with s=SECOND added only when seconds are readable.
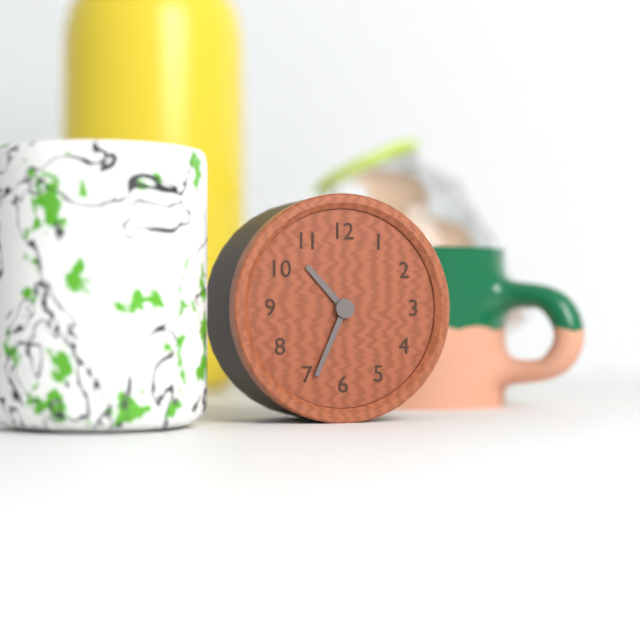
h=10 m=34
